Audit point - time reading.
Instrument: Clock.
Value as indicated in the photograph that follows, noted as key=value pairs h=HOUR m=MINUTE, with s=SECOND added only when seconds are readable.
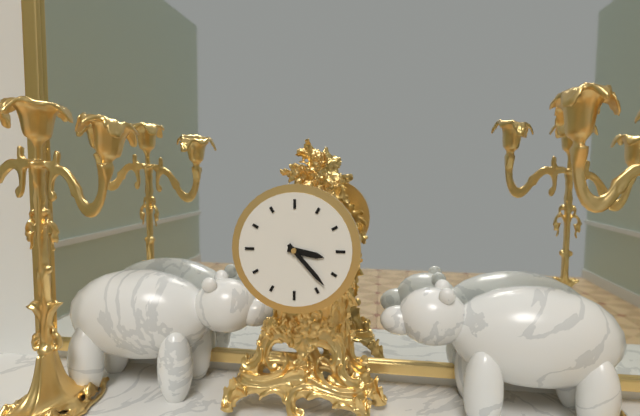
h=3 m=23
